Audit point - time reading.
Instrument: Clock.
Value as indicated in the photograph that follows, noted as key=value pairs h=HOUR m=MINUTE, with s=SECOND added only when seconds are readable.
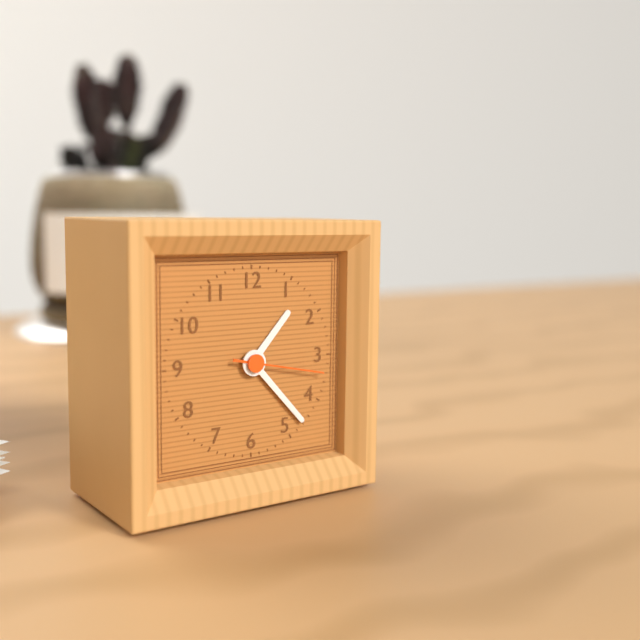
h=1 m=23 s=17
